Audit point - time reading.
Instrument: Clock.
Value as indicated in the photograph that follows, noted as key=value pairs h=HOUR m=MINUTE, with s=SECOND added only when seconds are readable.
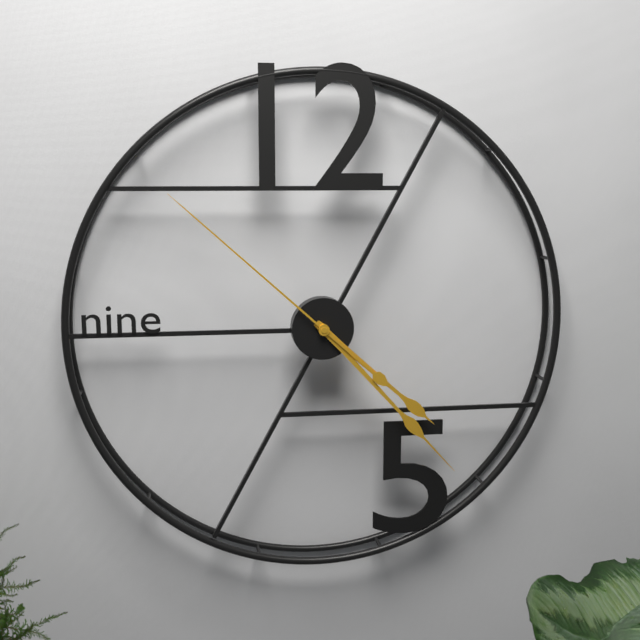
h=4 m=23 s=52
